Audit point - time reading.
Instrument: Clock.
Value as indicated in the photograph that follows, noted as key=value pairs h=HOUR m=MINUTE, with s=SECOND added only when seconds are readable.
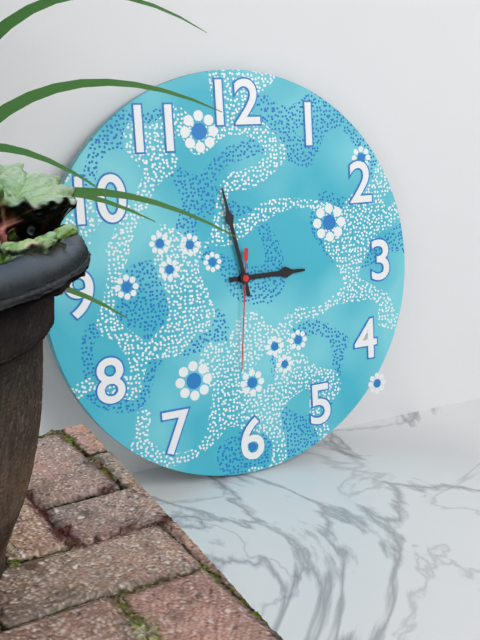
h=2 m=58 s=31
